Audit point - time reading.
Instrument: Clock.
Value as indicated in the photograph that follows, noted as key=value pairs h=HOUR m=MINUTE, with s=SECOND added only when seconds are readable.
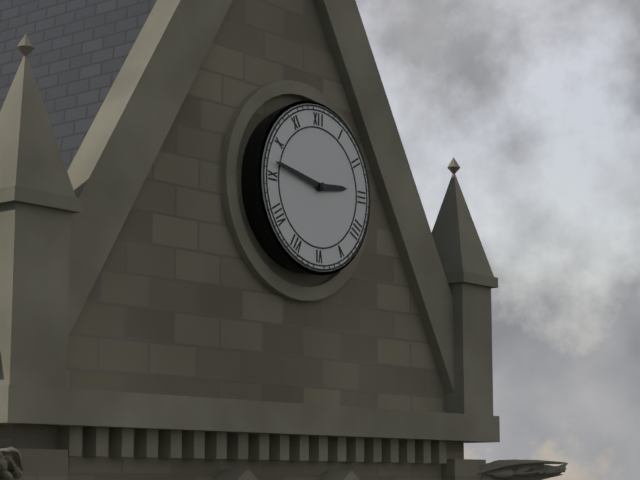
h=2 m=47
